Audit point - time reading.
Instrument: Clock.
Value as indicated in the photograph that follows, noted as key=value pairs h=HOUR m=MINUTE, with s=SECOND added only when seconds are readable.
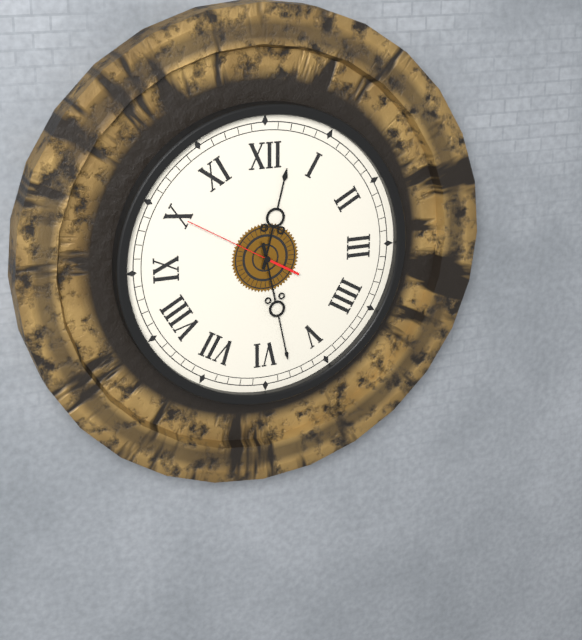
h=12 m=28 s=50
